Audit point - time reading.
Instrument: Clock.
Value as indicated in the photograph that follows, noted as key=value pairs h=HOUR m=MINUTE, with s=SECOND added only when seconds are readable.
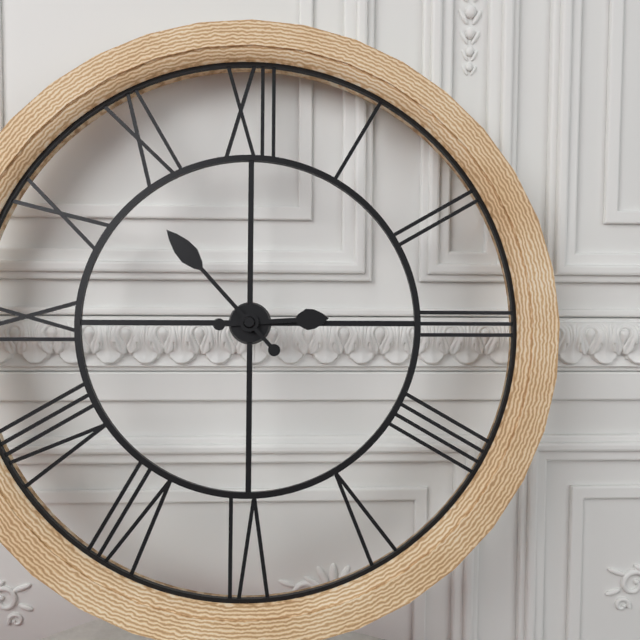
h=2 m=53
